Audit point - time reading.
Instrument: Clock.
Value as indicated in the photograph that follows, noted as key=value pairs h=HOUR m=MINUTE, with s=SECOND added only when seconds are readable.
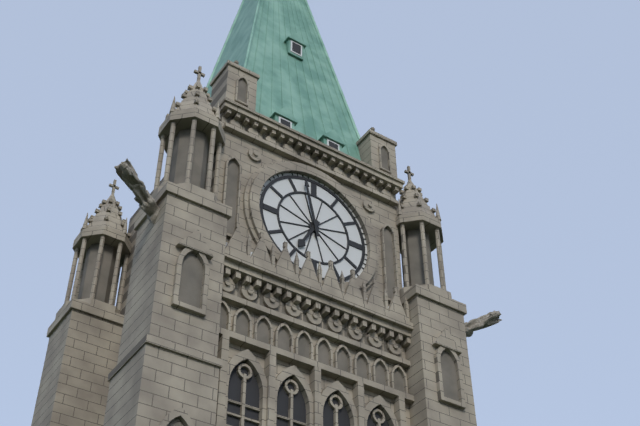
h=6 m=58
